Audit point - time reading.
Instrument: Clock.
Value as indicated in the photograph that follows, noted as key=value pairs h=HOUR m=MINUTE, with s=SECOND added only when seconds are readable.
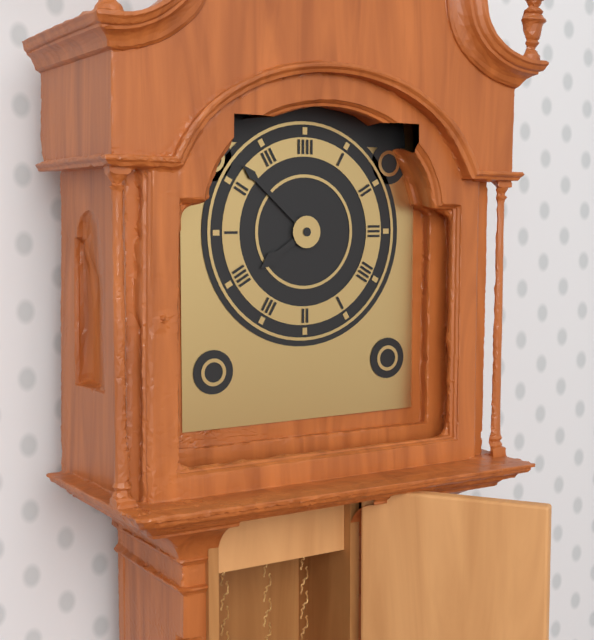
h=7 m=52
